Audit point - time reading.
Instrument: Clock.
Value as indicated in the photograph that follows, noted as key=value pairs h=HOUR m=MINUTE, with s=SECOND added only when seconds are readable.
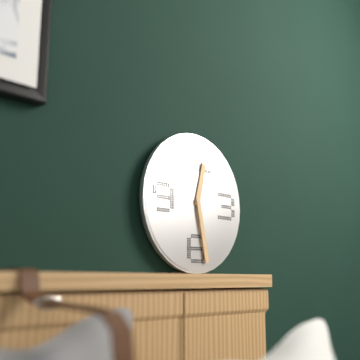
h=12 m=28
